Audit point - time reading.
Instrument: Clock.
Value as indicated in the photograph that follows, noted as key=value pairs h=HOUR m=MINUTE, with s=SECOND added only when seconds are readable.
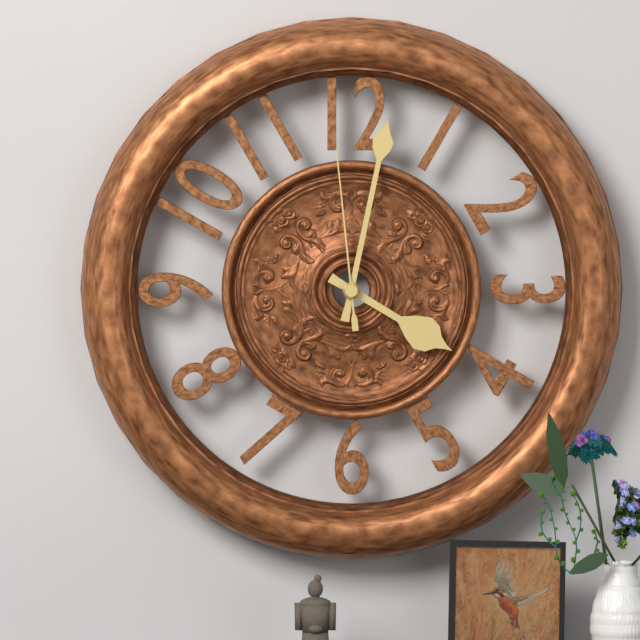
h=4 m=2 s=59
